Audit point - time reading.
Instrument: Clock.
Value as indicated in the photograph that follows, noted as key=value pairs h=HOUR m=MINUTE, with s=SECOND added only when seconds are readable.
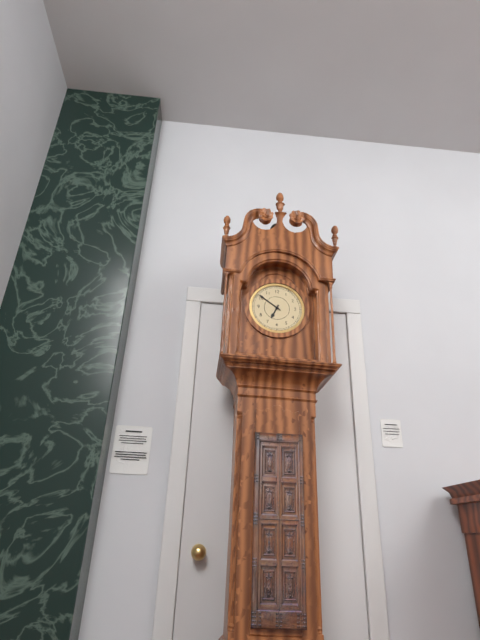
h=6 m=51
